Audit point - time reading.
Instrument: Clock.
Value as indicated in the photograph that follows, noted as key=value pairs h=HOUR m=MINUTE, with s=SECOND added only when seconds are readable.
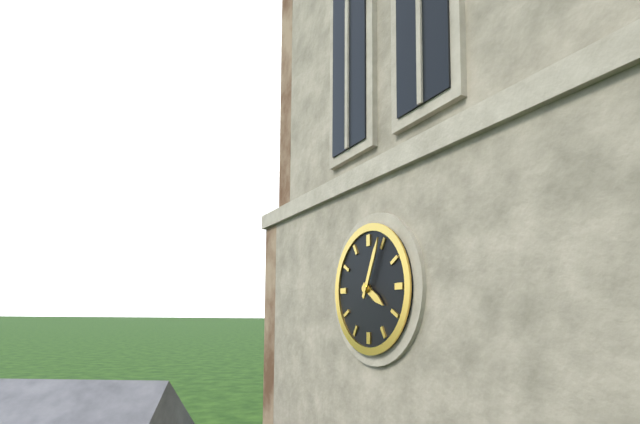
h=4 m=4
